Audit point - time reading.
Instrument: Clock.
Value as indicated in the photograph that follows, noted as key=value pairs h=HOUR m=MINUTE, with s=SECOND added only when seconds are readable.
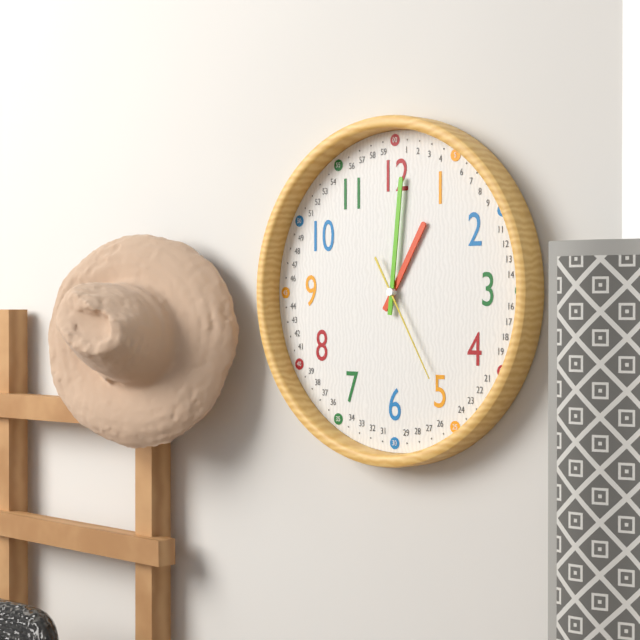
h=1 m=1 s=25
